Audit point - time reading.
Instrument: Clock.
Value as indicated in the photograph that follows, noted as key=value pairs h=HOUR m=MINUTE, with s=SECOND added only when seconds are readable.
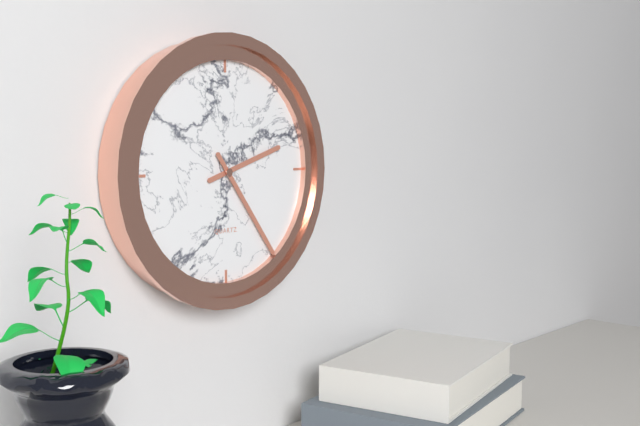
h=2 m=24
